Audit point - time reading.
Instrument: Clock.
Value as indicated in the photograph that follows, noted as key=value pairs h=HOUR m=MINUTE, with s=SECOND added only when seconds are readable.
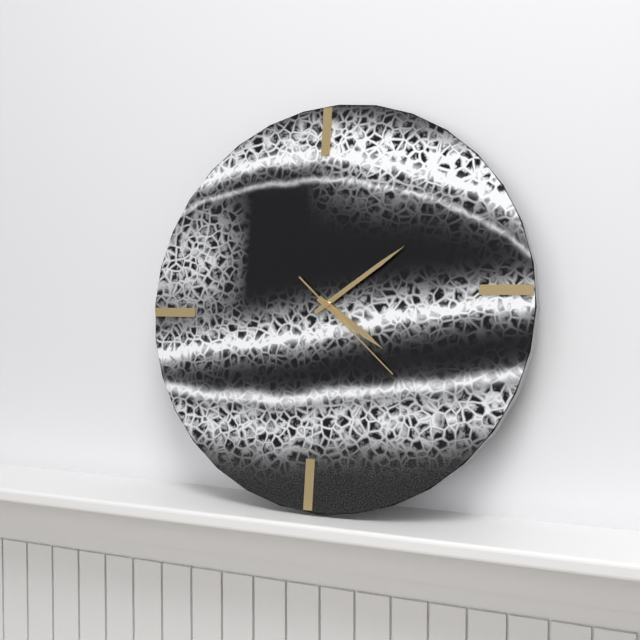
h=4 m=9 s=22
